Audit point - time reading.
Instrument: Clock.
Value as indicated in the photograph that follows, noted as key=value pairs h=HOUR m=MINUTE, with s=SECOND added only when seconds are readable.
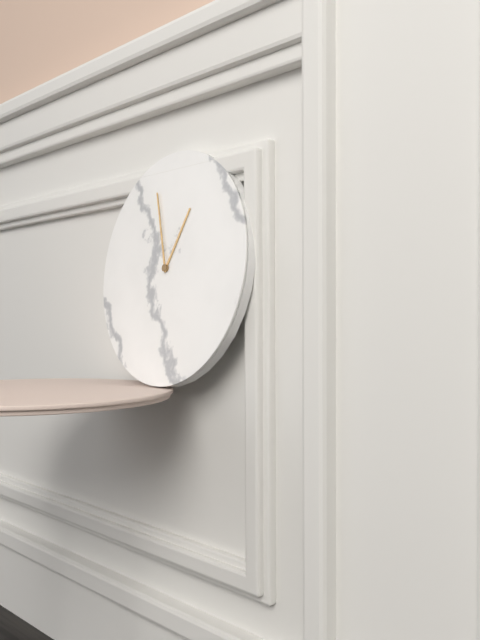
h=12 m=57
